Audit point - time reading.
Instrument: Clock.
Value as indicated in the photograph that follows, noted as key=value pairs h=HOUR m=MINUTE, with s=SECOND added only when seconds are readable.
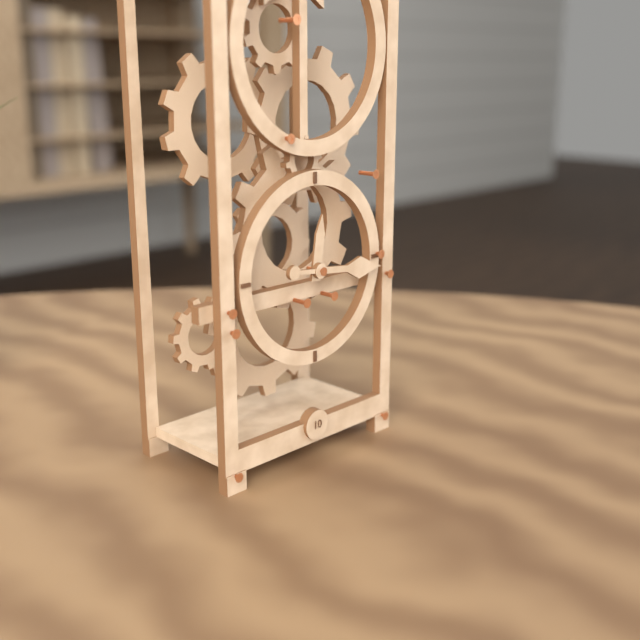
h=12 m=16
